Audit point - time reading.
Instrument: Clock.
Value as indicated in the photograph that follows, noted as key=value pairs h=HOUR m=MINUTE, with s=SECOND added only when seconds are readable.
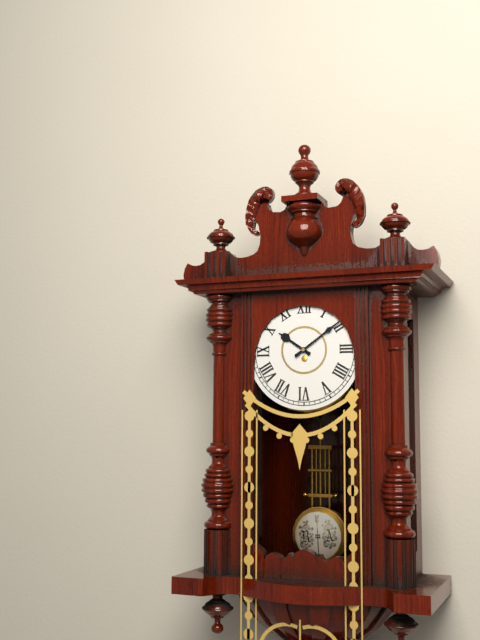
h=10 m=9
